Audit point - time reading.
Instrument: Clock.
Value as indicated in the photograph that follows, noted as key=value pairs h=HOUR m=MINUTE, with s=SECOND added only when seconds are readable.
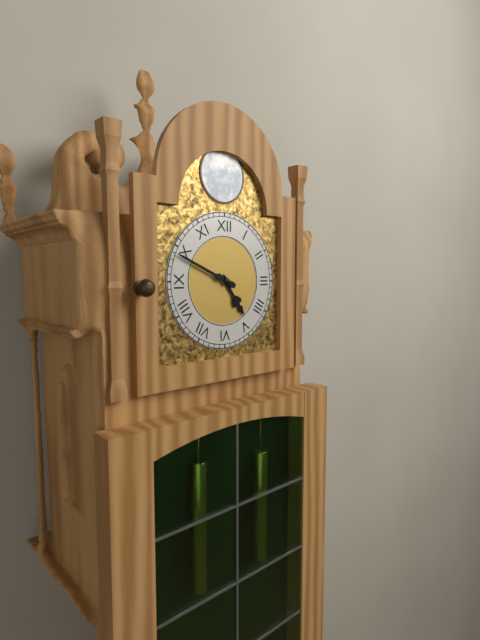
h=4 m=49
